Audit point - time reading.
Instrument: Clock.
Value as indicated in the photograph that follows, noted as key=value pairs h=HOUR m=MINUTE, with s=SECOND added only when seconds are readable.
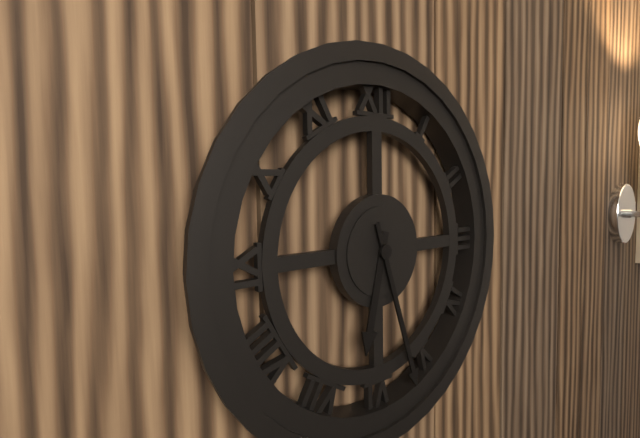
h=6 m=27
